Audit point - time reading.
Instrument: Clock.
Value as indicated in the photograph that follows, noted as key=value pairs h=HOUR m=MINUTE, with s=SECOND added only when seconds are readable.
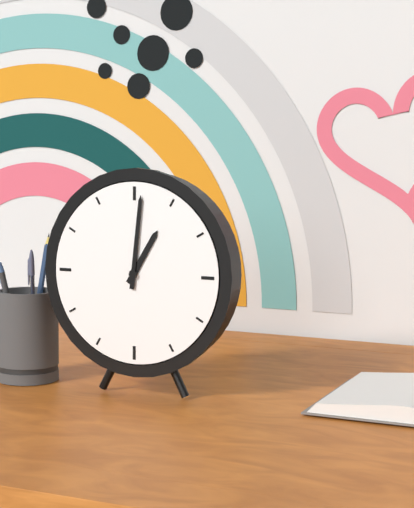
h=1 m=1
